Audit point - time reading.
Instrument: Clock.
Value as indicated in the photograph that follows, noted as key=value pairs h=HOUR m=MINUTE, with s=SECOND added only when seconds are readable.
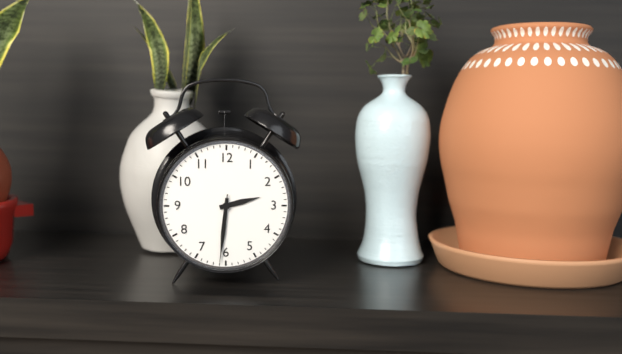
h=2 m=31 s=31
